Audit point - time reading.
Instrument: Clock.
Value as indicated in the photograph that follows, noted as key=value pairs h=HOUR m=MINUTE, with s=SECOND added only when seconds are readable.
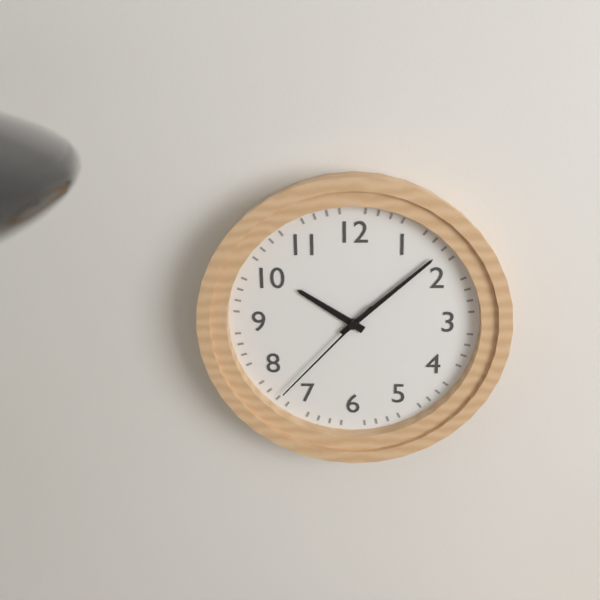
h=10 m=8 s=37
